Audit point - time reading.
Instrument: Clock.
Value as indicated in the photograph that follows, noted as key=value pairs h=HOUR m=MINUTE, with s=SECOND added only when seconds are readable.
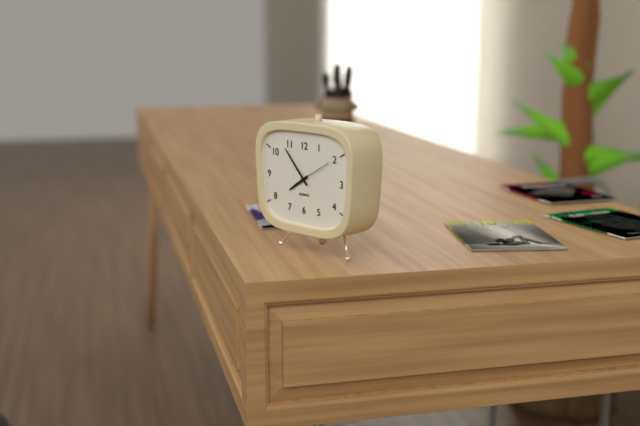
h=7 m=53
